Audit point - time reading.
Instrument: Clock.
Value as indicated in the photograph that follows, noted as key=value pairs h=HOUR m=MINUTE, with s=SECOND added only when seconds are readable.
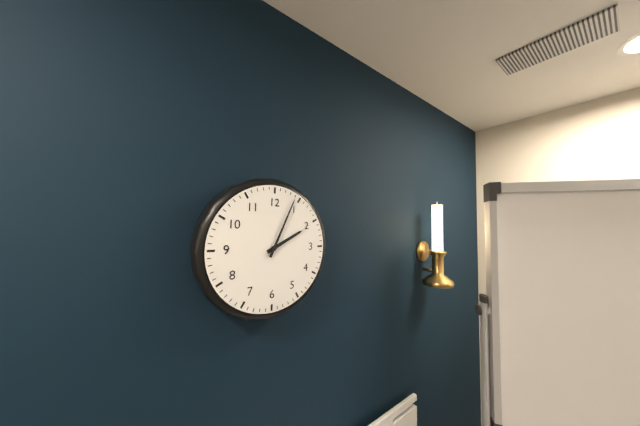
h=2 m=4
